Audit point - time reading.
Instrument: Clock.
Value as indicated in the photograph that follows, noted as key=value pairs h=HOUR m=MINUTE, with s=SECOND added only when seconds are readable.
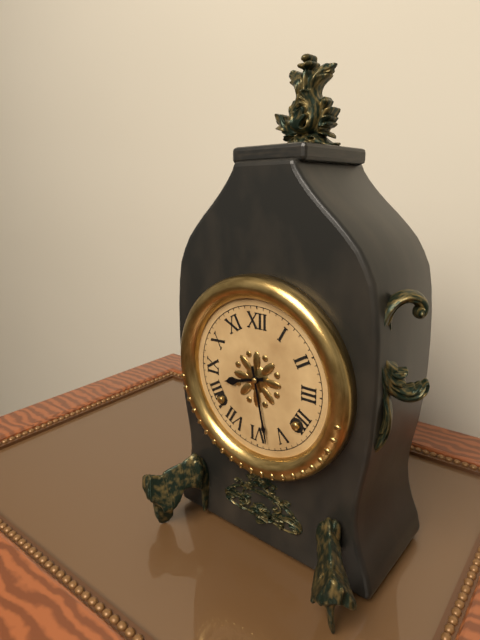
h=8 m=28
